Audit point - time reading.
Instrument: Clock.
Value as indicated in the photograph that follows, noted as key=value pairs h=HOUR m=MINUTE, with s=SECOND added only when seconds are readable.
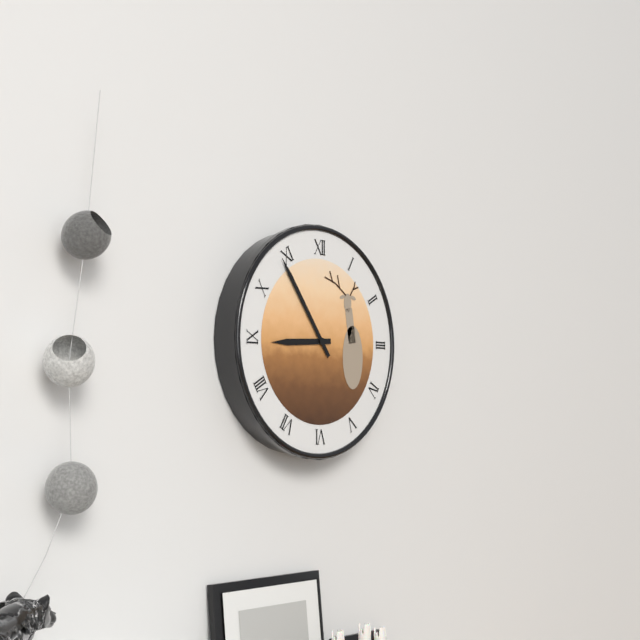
h=8 m=54
